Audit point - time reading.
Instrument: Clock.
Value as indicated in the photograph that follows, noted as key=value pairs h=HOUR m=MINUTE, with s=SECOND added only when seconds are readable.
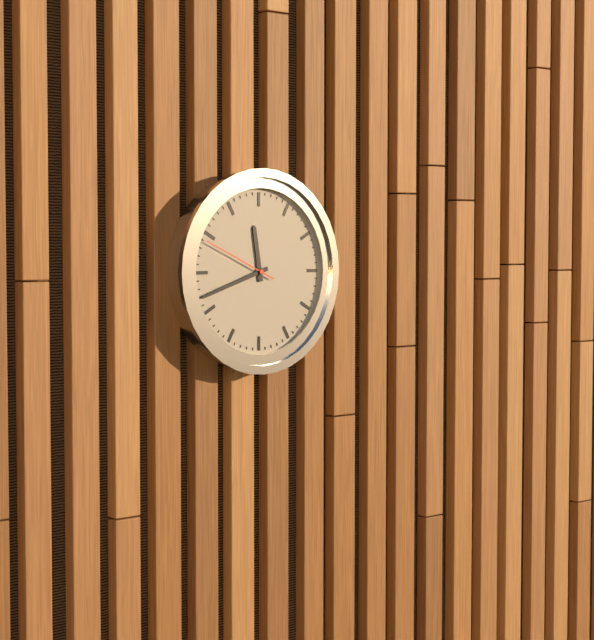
h=11 m=42 s=49
